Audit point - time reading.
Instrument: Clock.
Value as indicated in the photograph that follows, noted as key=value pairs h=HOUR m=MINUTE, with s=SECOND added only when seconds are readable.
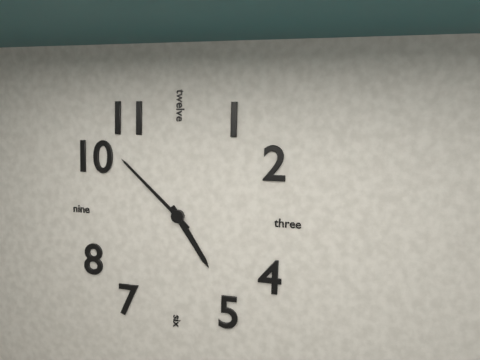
h=4 m=52
